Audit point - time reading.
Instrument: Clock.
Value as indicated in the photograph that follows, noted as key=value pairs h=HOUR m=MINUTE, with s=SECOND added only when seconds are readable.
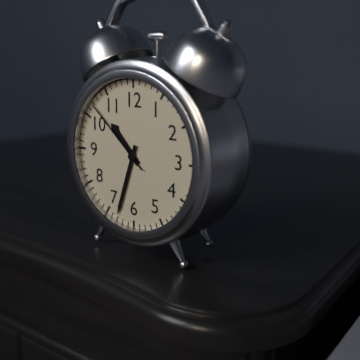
h=10 m=33 s=52
